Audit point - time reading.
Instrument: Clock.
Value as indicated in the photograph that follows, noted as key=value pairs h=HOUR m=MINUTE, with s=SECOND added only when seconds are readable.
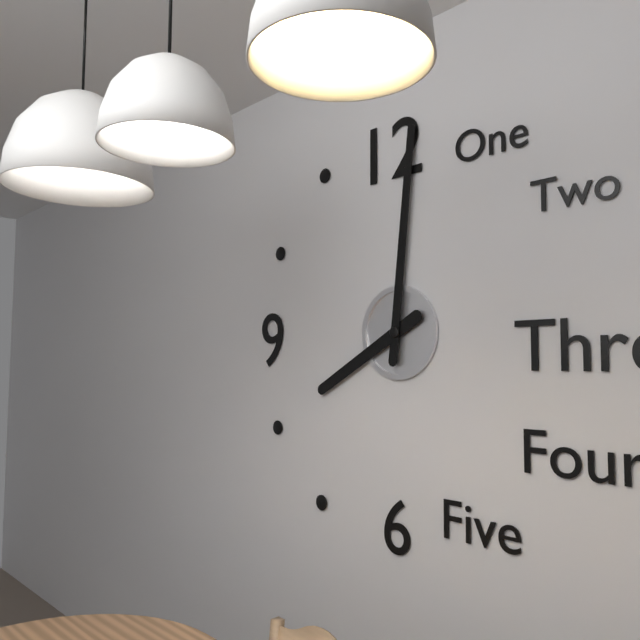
h=8 m=1
